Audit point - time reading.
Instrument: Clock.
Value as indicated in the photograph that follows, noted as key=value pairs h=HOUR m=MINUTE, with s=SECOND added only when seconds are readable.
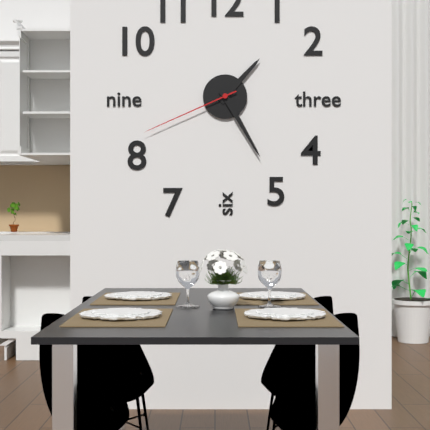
h=1 m=25 s=41
